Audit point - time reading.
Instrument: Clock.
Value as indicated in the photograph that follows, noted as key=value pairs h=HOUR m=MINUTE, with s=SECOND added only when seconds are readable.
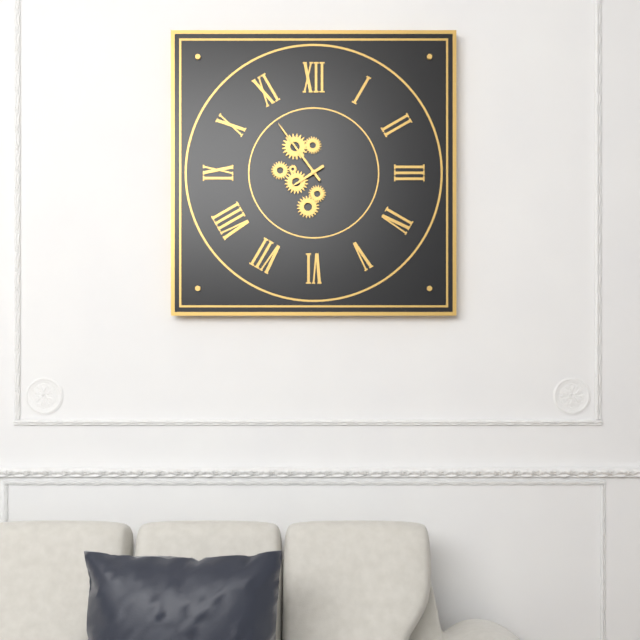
h=7 m=54
